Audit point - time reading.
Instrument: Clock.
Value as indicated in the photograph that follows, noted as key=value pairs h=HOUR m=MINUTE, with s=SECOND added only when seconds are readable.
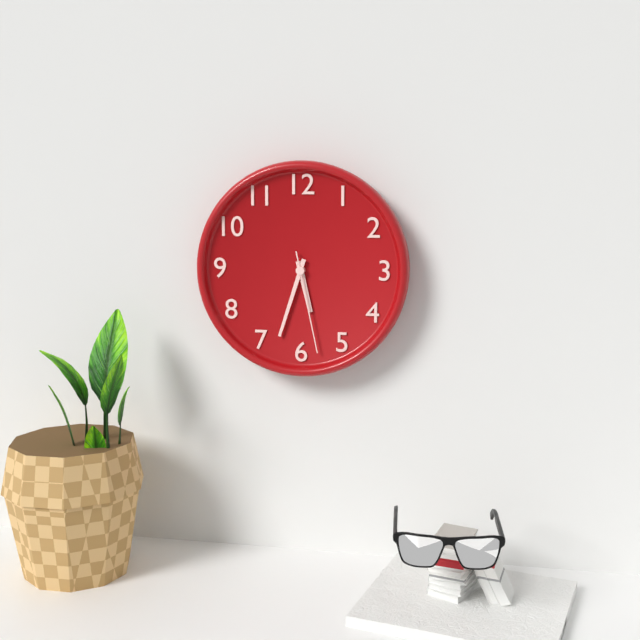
h=5 m=33 s=28
